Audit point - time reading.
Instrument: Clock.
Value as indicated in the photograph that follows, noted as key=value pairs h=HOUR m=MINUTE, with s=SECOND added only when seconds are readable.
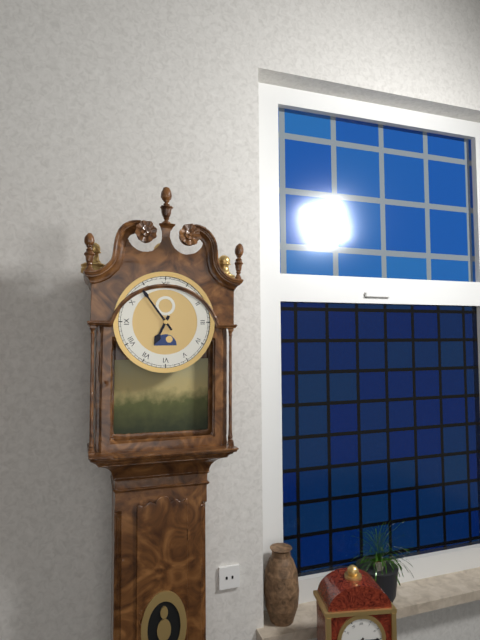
h=6 m=54
